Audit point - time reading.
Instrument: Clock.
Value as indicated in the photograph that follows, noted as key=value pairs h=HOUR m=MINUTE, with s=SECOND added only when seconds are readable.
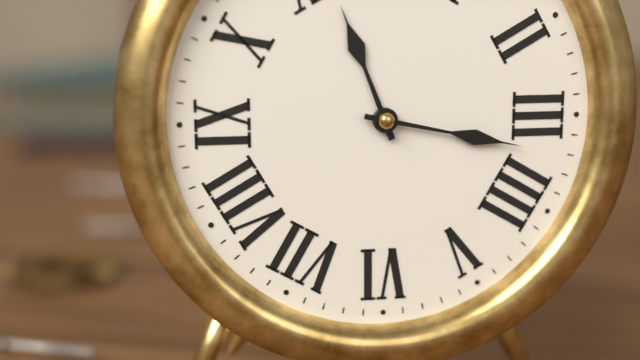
h=11 m=17
